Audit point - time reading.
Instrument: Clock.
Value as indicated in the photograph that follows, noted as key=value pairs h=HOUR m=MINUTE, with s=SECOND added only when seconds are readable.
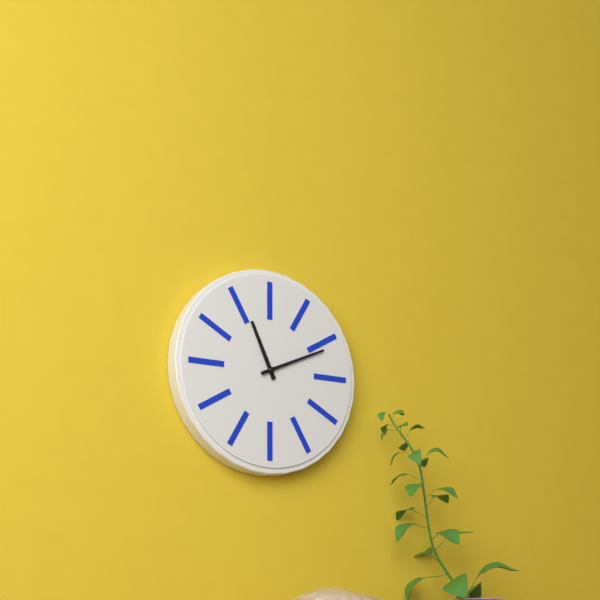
h=11 m=11
